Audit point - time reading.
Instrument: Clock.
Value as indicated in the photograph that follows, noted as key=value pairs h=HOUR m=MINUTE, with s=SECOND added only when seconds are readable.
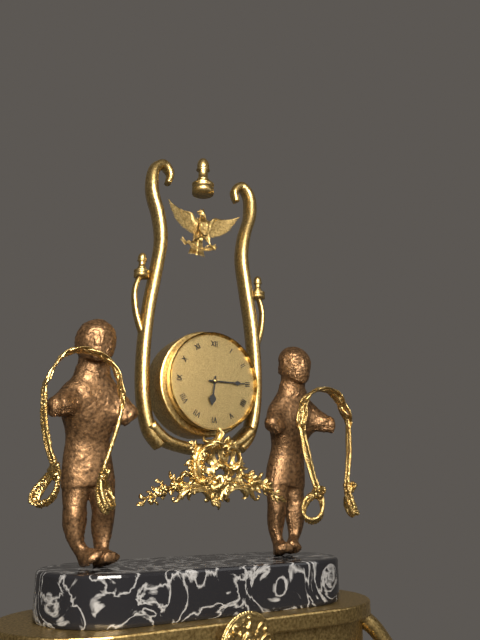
h=6 m=15
